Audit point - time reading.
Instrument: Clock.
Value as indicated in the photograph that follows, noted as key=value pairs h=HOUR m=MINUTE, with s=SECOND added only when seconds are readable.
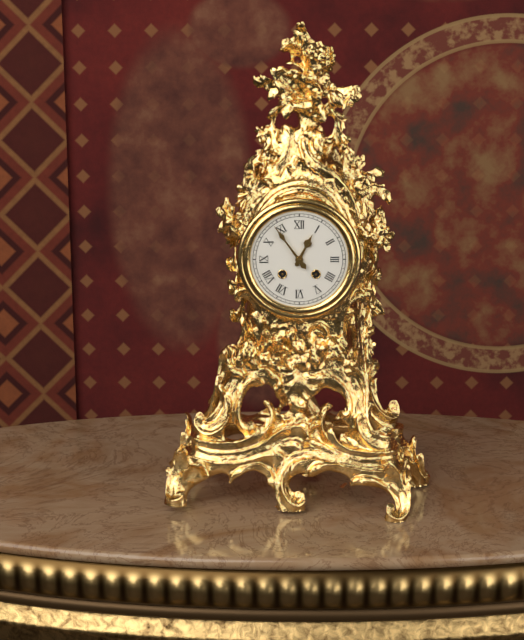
h=12 m=54
